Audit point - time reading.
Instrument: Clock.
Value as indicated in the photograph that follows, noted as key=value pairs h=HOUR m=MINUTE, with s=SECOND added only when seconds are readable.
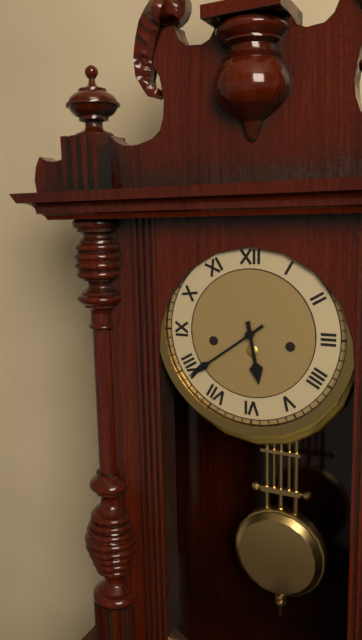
h=5 m=39
